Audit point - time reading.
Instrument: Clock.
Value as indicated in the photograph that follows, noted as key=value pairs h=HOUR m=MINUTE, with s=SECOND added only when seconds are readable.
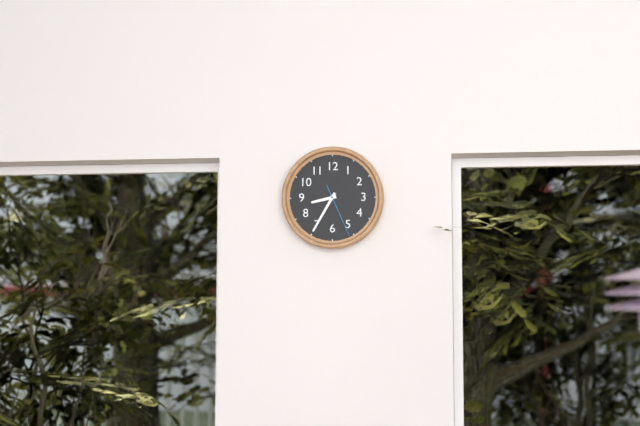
h=8 m=35 s=26
